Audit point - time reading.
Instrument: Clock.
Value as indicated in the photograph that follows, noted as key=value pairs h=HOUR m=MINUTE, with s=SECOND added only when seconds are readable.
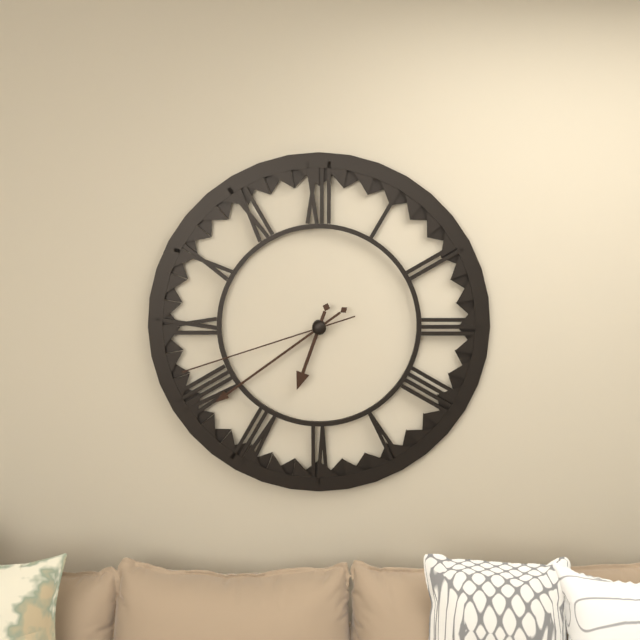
h=6 m=39 s=42
